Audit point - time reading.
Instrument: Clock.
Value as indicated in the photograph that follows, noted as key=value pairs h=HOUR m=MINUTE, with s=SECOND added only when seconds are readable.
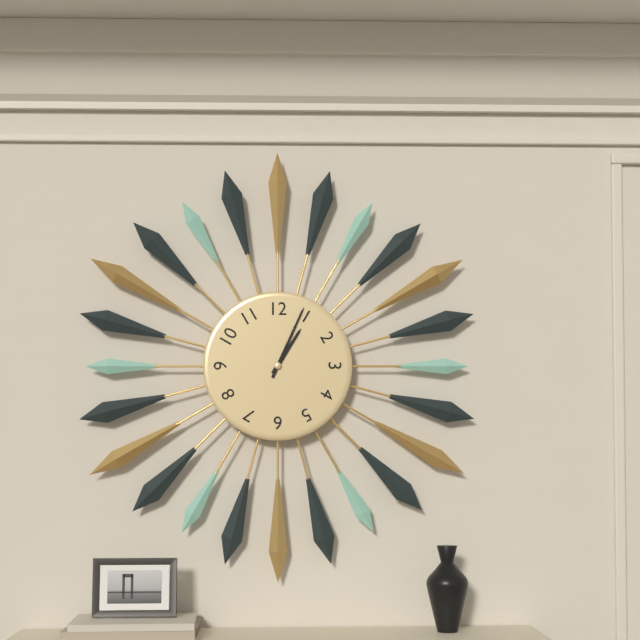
h=1 m=4
